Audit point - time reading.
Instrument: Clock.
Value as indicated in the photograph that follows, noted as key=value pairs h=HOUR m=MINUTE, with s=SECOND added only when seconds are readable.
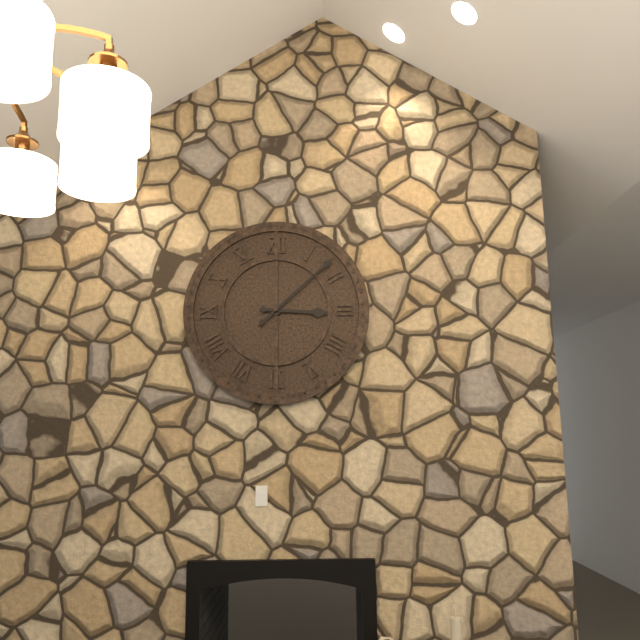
h=3 m=8
